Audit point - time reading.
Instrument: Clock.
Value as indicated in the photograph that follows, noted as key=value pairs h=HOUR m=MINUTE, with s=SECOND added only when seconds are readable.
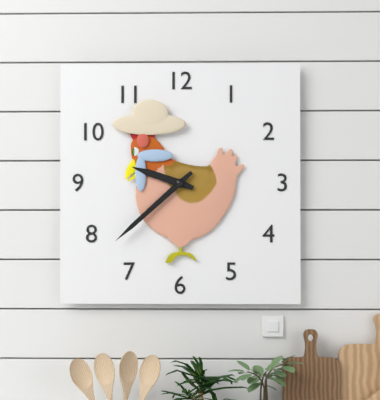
h=9 m=38
